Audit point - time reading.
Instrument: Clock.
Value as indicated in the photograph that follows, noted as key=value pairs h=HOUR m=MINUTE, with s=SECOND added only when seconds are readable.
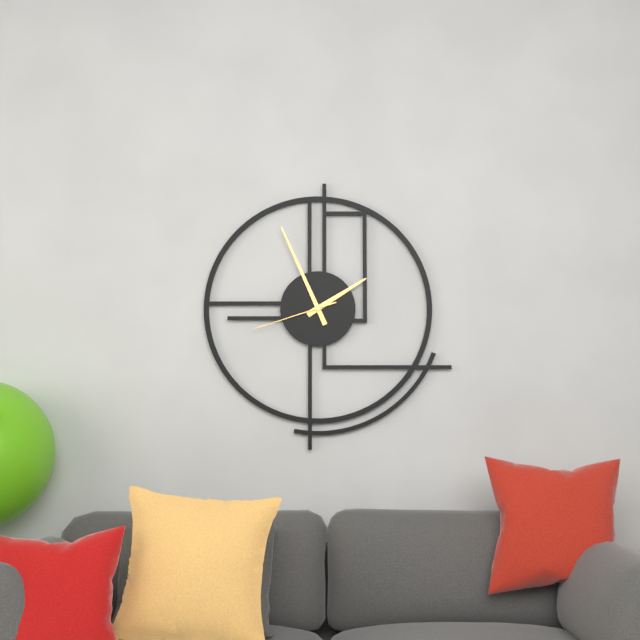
h=1 m=56 s=42
